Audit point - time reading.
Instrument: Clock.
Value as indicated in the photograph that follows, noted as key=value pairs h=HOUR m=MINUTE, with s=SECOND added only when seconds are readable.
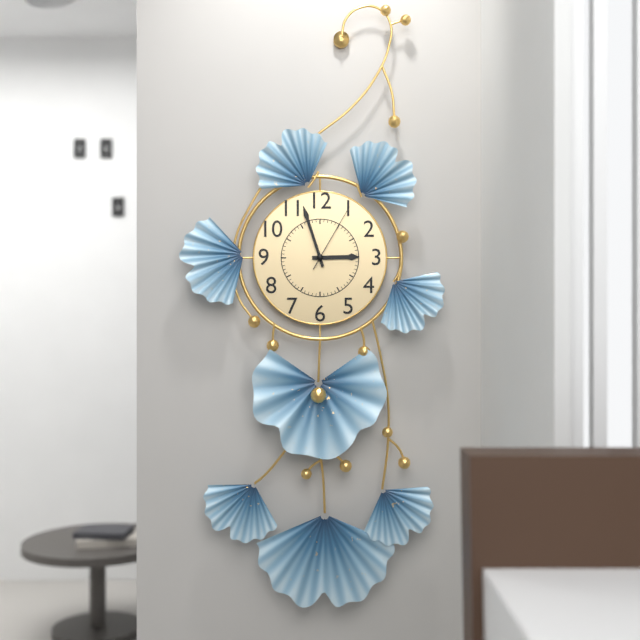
h=2 m=57 s=5
